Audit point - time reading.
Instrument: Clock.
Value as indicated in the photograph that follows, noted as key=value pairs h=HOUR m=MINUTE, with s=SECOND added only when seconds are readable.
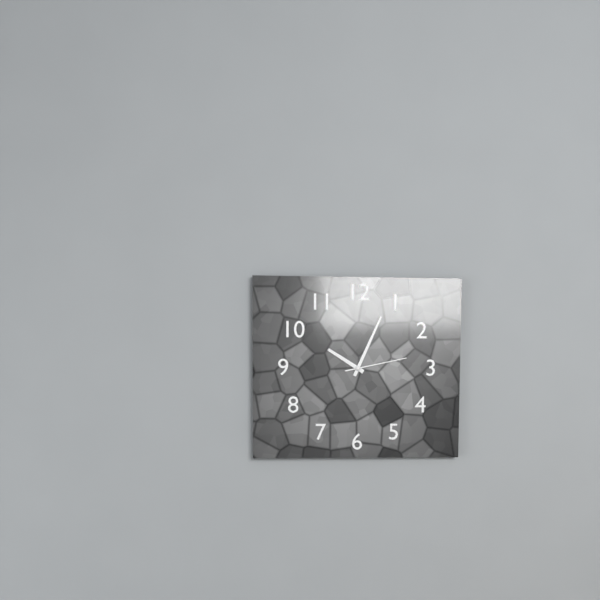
h=10 m=4 s=13
